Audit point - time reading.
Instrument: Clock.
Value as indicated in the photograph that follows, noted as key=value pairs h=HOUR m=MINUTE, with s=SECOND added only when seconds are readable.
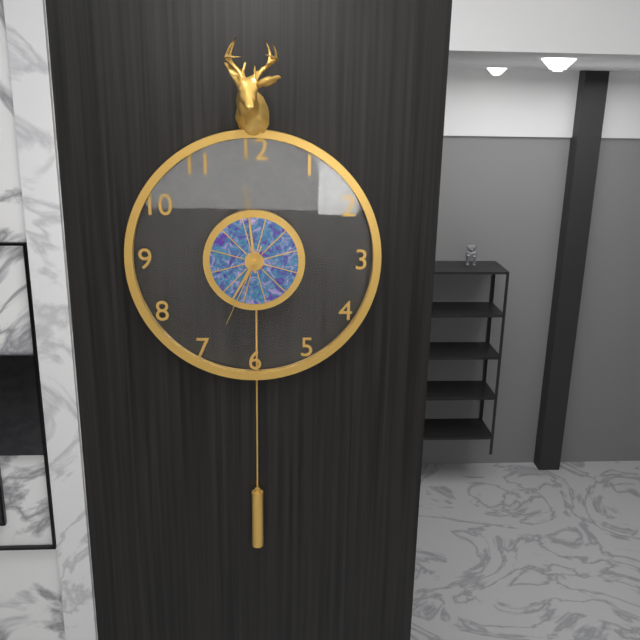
h=6 m=59 s=34
